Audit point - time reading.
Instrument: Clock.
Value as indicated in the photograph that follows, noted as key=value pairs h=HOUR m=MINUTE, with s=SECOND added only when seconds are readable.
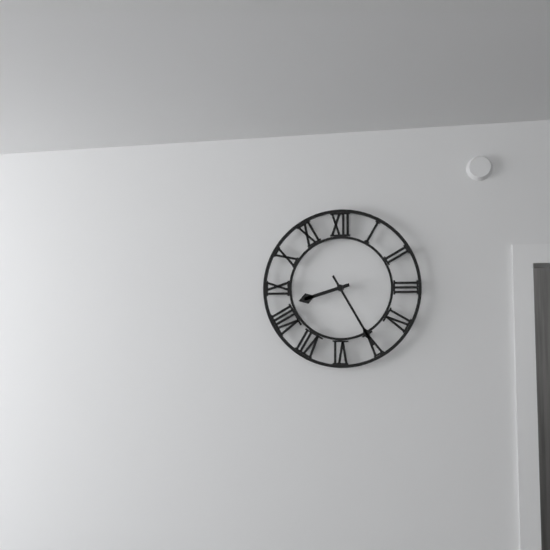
h=8 m=25
